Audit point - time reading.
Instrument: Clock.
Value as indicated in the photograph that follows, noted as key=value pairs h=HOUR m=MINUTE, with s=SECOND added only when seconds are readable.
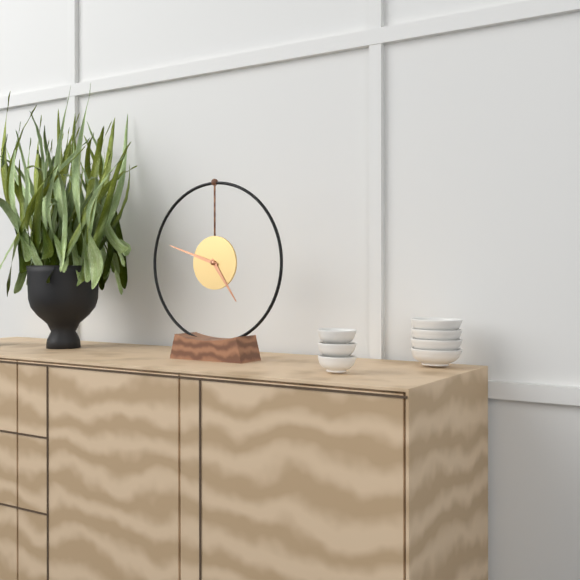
h=4 m=48
